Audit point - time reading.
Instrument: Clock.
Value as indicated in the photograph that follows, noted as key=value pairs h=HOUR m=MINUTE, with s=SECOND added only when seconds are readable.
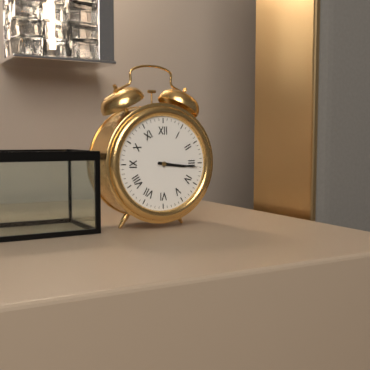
h=3 m=16
